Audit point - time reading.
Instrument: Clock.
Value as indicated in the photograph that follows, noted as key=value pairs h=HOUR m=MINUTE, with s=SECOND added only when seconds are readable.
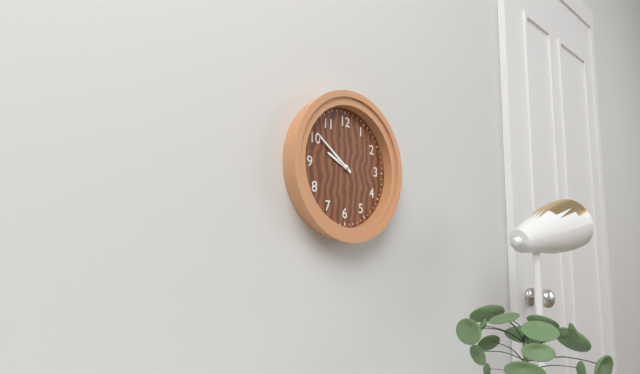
h=9 m=51
